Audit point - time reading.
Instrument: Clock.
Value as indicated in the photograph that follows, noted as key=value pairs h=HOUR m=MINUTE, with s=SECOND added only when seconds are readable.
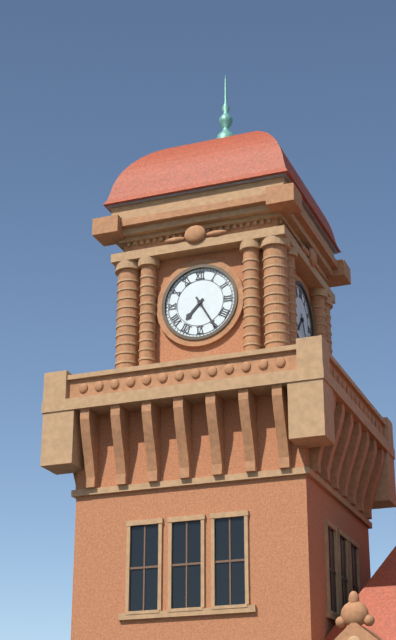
h=7 m=25
